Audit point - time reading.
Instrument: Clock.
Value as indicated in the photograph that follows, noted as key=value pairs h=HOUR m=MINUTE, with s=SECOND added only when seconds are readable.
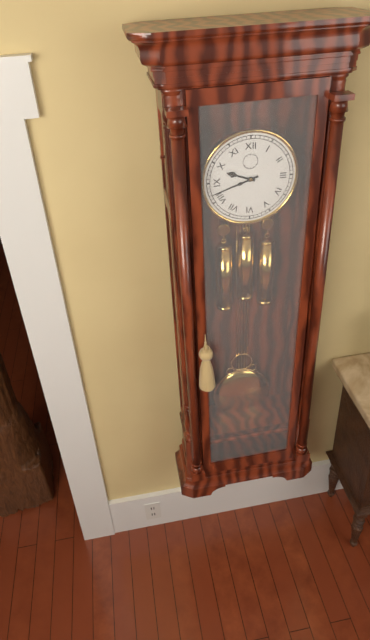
h=9 m=42
